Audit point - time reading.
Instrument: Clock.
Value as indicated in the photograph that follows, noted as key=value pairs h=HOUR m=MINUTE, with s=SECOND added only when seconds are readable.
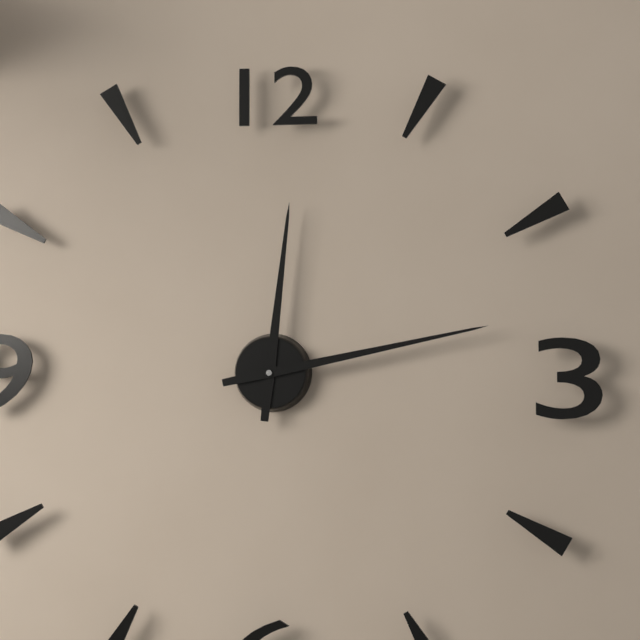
h=12 m=13
